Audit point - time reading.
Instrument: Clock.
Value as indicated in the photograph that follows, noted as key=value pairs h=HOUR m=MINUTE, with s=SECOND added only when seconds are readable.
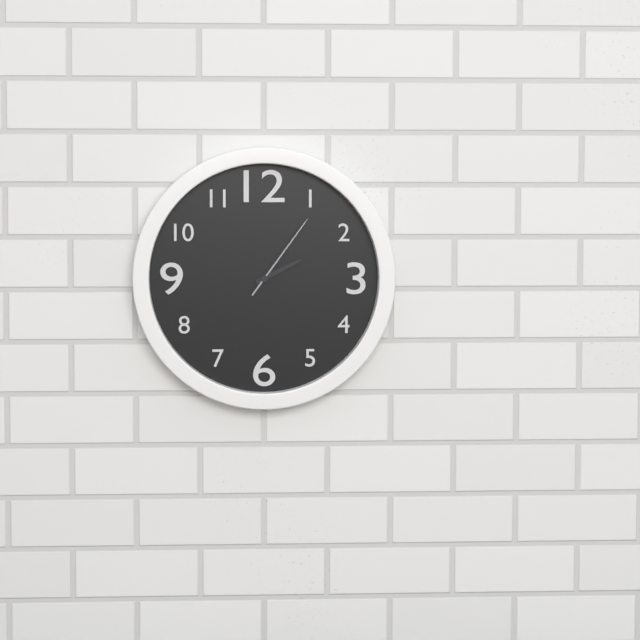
h=2 m=6 s=6
